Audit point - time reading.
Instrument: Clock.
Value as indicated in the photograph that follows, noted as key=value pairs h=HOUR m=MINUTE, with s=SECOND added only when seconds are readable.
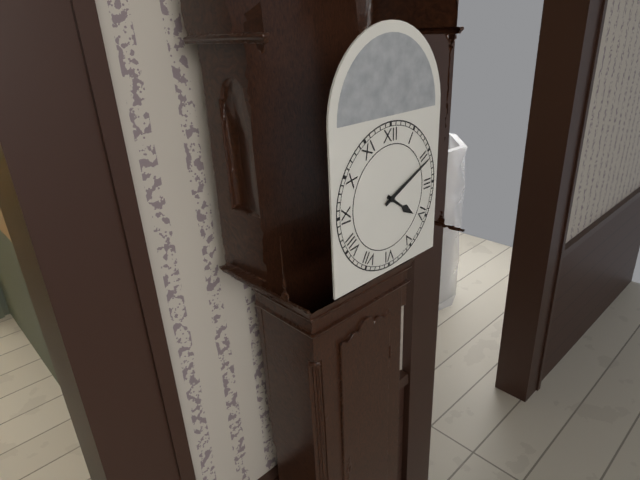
h=4 m=11
